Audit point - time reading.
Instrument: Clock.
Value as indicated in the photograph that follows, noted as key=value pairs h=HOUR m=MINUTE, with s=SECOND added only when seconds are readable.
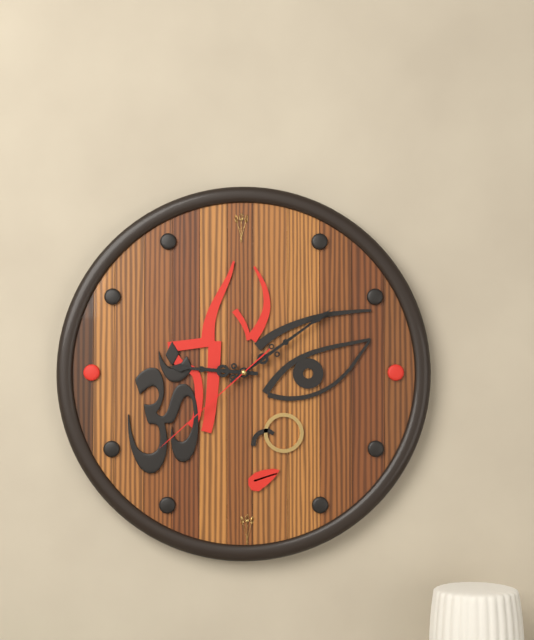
h=9 m=9 s=38
